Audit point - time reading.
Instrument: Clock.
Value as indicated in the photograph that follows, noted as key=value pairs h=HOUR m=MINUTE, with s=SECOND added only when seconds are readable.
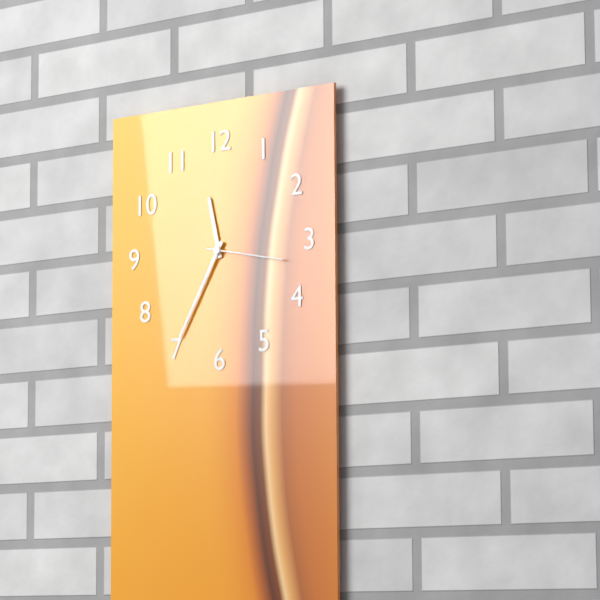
h=11 m=35 s=17
